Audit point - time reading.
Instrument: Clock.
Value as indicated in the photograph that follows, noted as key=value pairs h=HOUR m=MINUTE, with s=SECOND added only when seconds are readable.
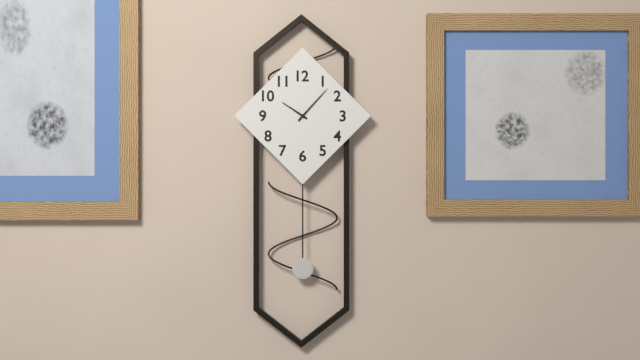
h=10 m=7
